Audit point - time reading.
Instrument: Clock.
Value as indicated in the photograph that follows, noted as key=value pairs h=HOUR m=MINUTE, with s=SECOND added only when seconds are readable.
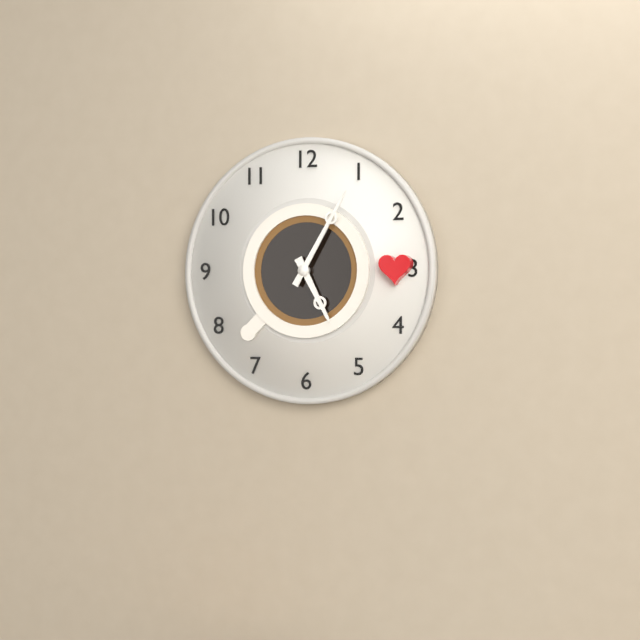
h=5 m=5
